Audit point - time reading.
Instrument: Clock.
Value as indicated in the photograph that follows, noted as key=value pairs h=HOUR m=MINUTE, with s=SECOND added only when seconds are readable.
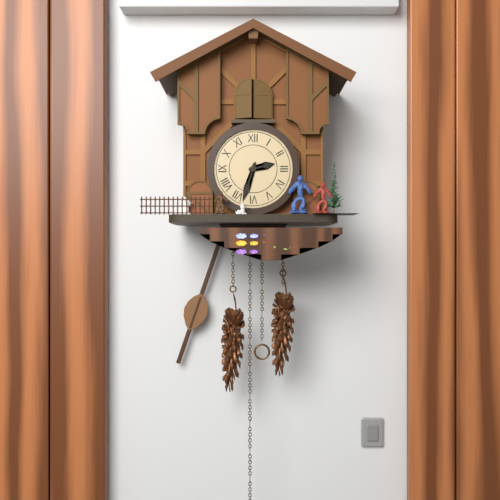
h=2 m=33
